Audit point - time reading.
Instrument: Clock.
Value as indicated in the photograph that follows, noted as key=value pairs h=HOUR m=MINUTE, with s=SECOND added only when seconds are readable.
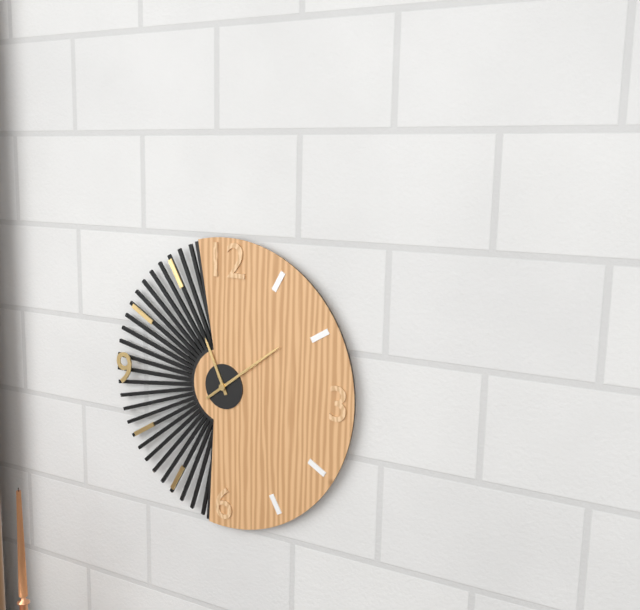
h=11 m=9
